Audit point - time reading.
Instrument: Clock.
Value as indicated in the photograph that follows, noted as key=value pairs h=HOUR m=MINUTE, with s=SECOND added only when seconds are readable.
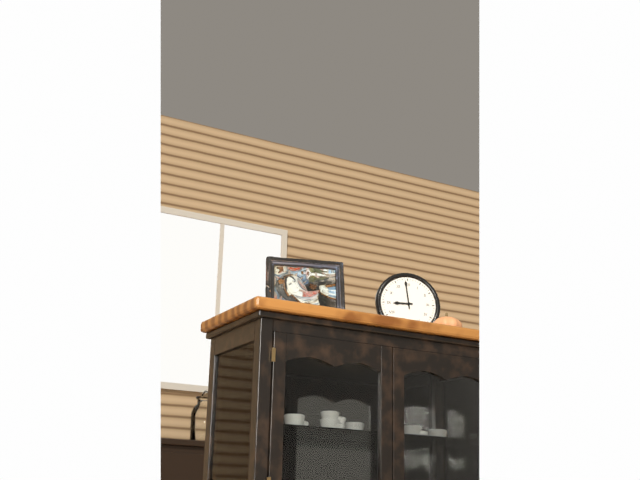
h=8 m=59
